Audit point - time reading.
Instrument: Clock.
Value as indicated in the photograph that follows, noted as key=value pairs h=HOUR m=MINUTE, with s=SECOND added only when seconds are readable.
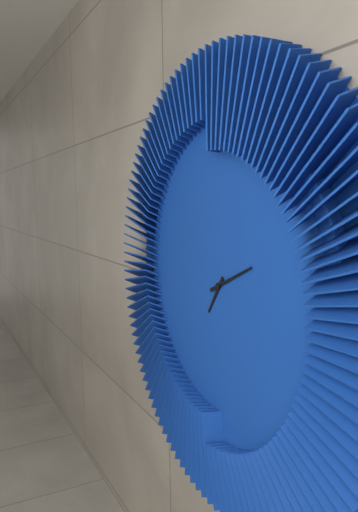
h=7 m=11
